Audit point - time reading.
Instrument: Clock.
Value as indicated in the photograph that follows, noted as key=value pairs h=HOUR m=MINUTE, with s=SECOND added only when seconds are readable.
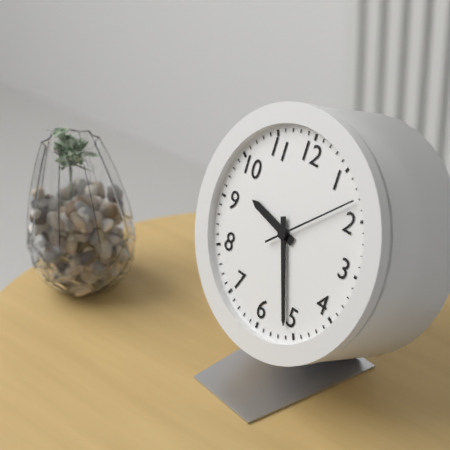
h=9 m=26 s=8
